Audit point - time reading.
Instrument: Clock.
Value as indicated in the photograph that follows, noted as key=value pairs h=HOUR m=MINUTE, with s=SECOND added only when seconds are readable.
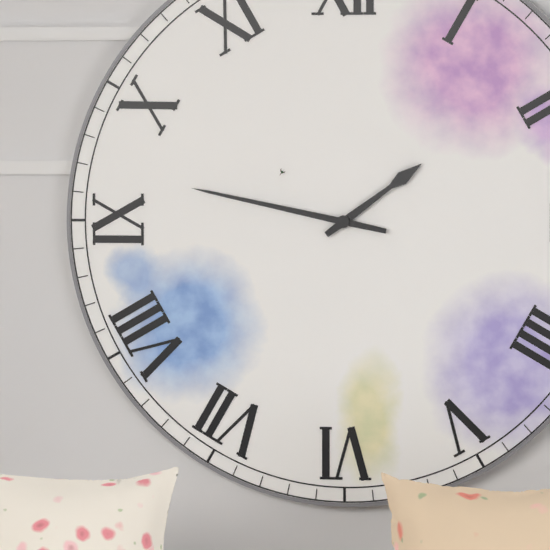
h=1 m=47
